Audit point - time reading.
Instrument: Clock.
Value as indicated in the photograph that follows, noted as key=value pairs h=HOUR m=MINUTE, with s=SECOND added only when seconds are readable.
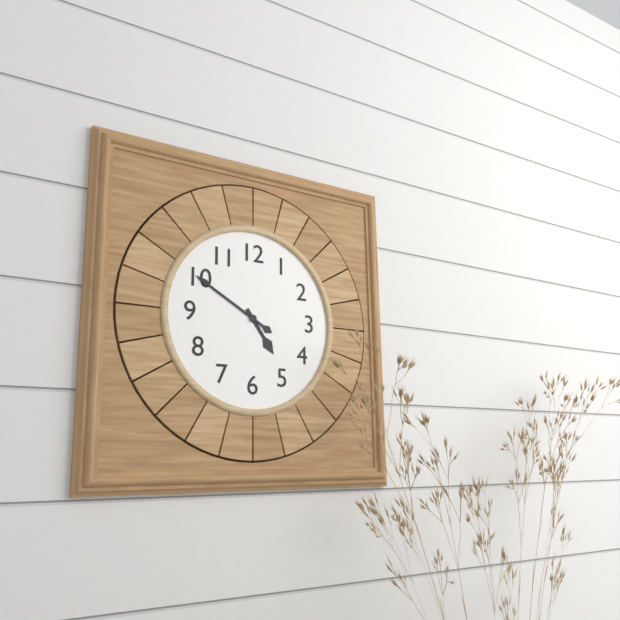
h=4 m=50
